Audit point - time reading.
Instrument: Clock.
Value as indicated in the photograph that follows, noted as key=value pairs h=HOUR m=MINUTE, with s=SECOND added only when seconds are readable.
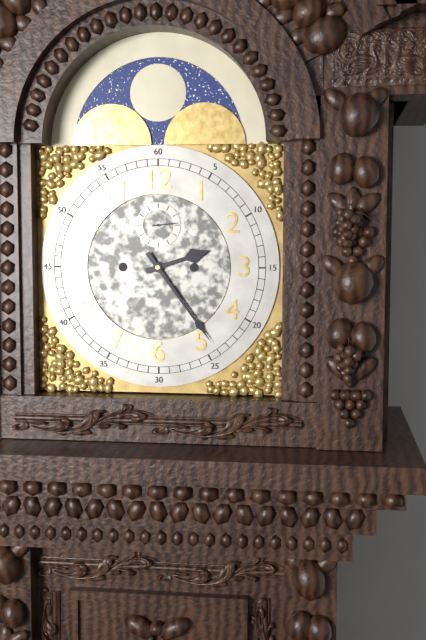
h=2 m=24
